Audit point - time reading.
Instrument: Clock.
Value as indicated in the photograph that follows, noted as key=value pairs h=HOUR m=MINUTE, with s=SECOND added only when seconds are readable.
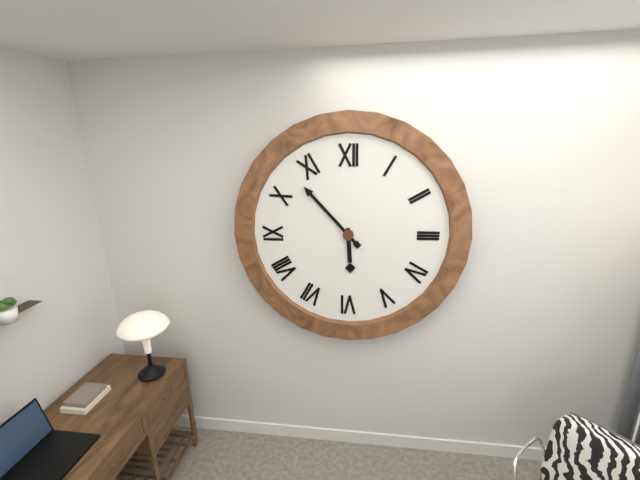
h=5 m=53
